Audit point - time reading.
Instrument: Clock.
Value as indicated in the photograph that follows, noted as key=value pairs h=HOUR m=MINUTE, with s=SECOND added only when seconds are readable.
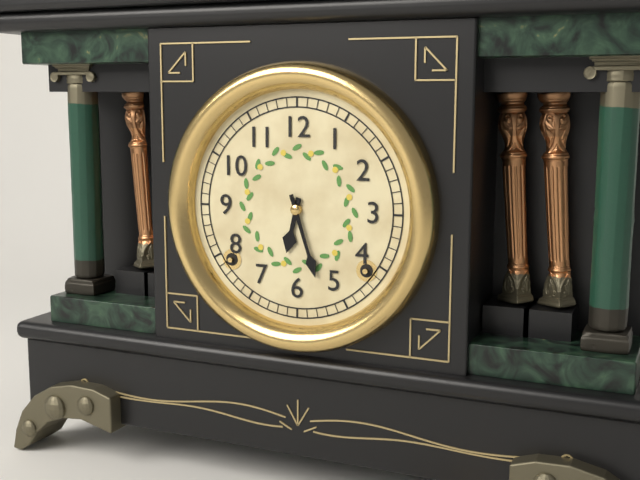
h=6 m=27
